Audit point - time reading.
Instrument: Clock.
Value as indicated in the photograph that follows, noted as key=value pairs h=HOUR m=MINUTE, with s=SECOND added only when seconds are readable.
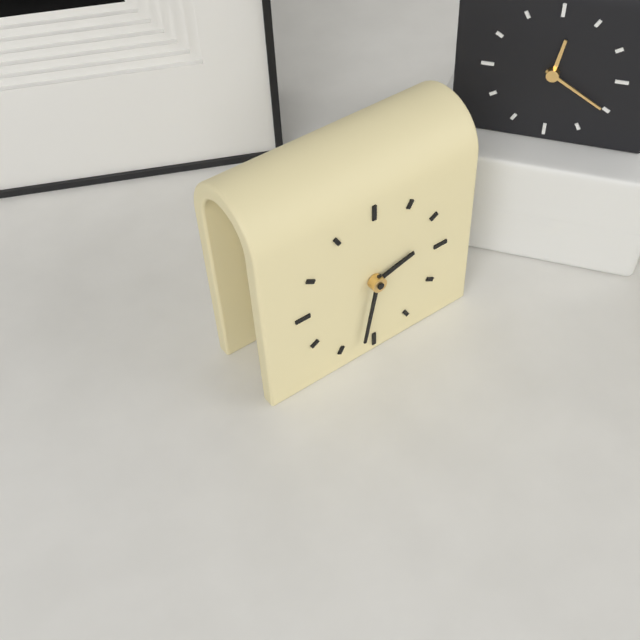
h=2 m=32
